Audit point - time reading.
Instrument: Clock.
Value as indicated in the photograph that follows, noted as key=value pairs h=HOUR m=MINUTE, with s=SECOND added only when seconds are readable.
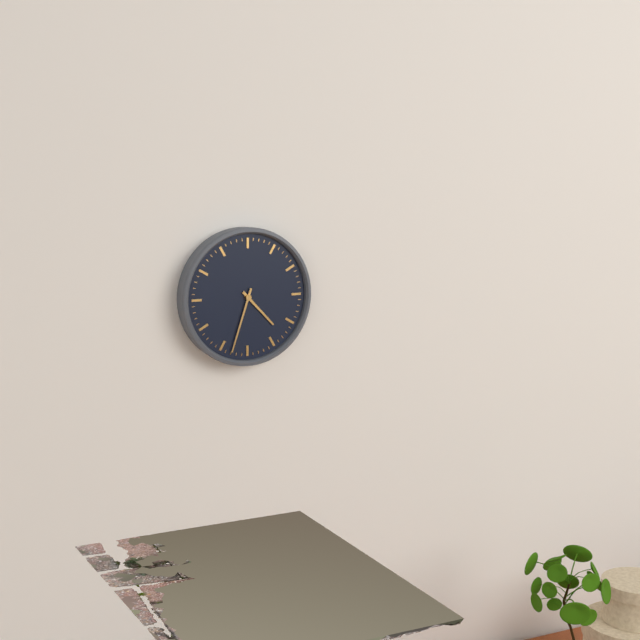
h=4 m=33
